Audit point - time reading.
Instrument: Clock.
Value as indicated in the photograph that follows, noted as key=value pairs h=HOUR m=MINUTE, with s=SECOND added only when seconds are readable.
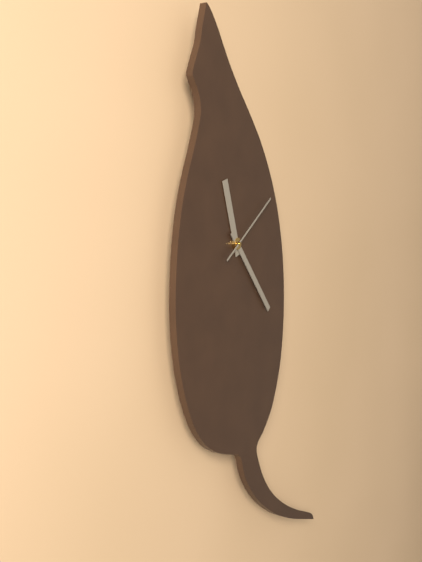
h=11 m=23 s=9
